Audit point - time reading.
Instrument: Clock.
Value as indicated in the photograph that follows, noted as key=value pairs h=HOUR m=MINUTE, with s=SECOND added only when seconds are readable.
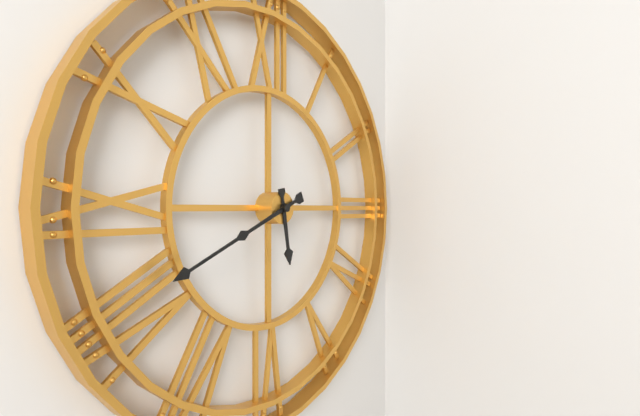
h=5 m=41
